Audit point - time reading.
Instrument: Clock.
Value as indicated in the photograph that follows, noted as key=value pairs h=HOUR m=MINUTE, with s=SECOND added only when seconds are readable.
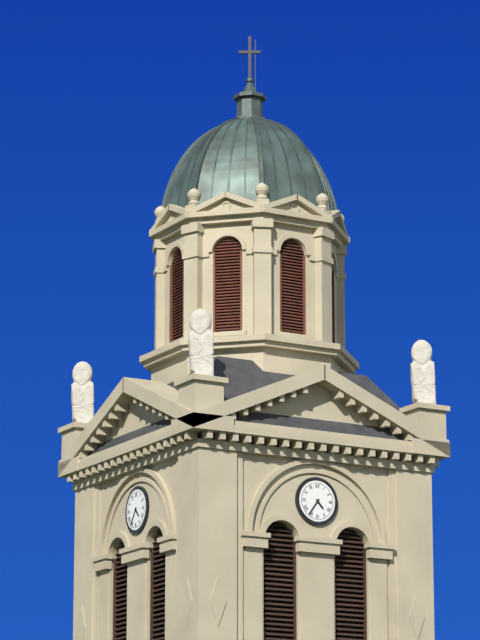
h=4 m=36
